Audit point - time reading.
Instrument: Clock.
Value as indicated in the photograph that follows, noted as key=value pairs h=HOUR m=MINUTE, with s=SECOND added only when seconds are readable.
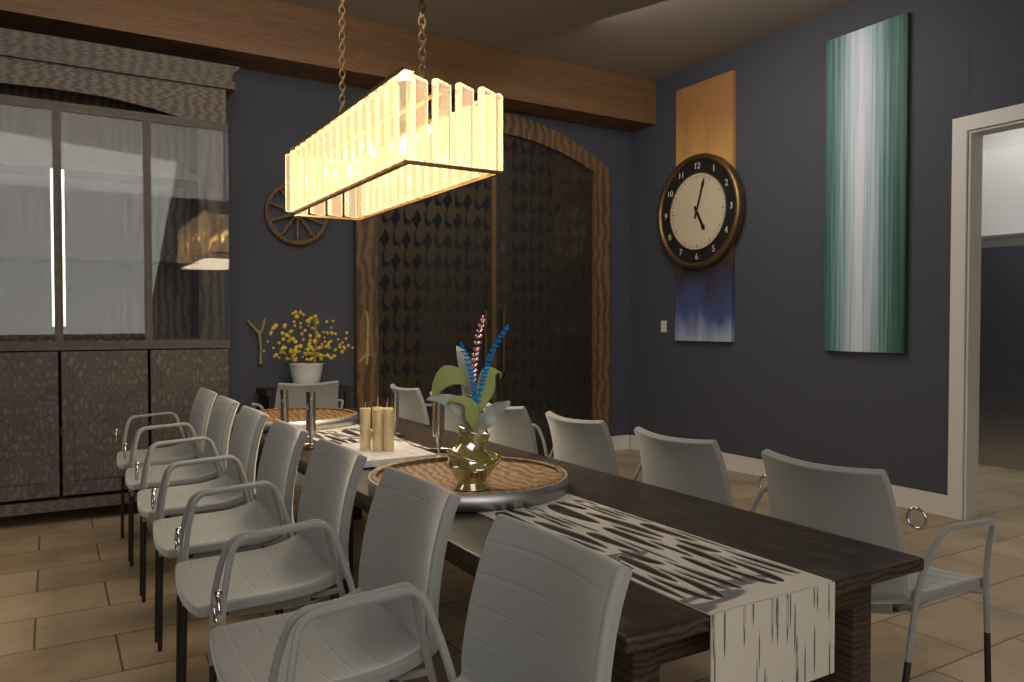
h=5 m=3
